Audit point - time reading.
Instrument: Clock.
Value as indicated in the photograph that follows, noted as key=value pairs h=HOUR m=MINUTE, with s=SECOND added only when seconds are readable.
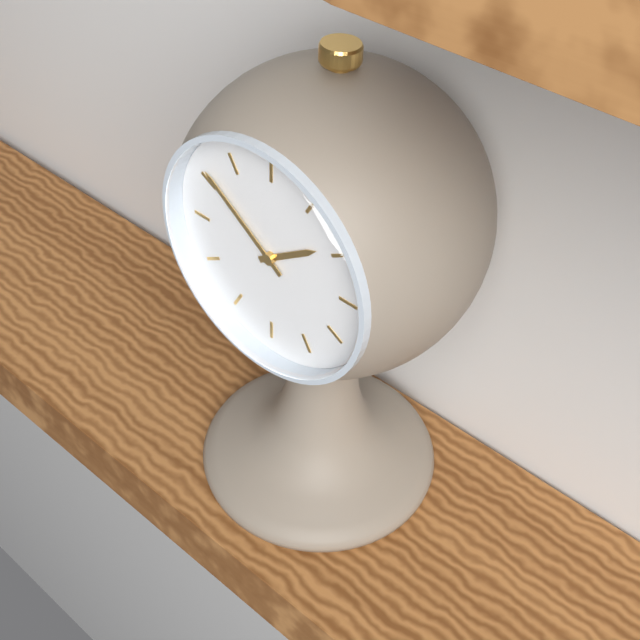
h=1 m=51
